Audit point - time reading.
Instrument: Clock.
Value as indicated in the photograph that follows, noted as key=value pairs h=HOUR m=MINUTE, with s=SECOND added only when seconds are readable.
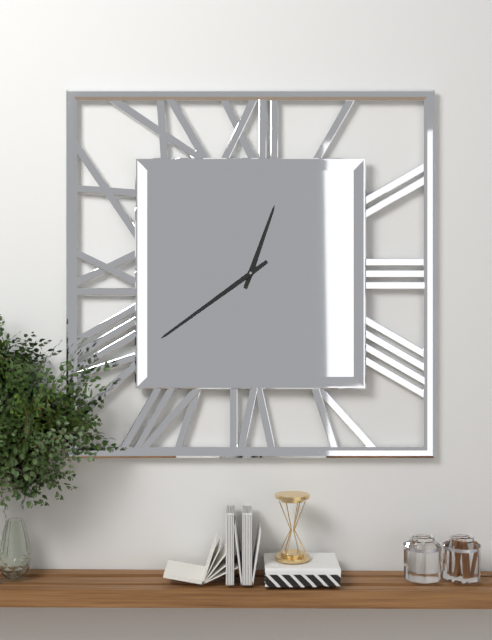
h=12 m=39
